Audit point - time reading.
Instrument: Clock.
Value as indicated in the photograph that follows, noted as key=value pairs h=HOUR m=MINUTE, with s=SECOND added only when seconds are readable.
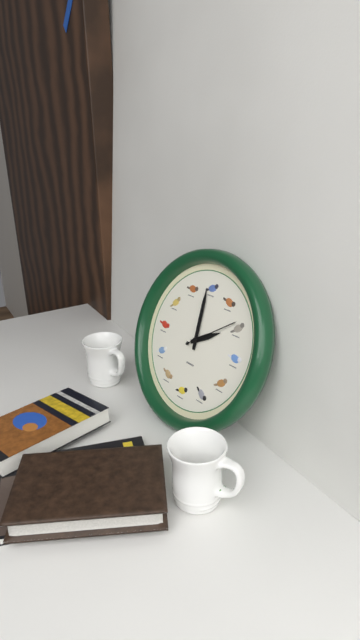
h=1 m=59 s=9
